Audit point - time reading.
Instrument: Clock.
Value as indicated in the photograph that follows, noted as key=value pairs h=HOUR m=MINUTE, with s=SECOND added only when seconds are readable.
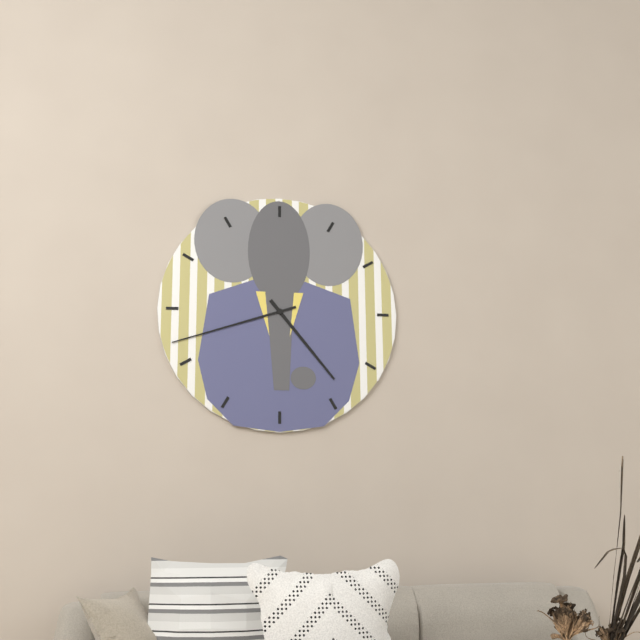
h=4 m=42
